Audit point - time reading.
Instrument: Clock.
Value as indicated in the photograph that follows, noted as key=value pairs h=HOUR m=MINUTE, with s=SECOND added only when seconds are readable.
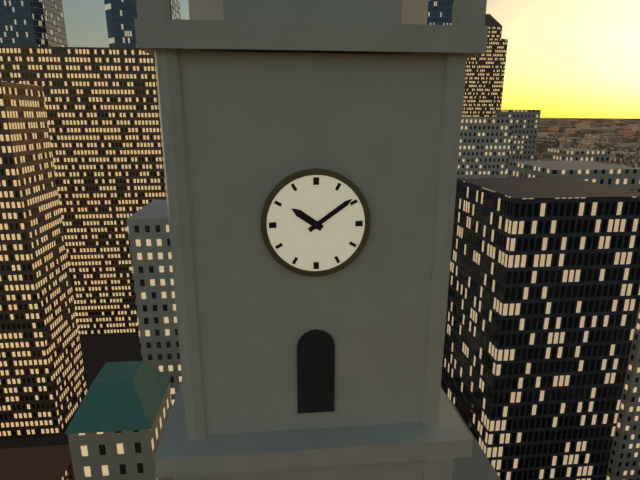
h=10 m=9
